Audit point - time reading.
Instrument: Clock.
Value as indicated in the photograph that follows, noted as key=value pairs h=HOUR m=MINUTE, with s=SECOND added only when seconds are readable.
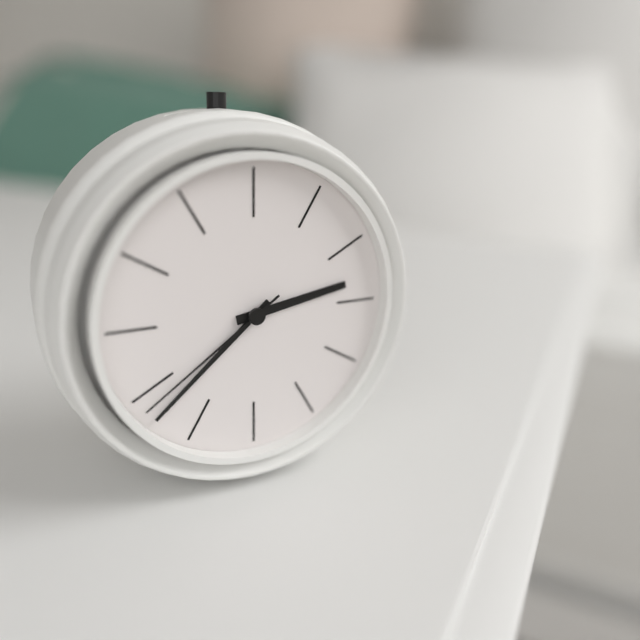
h=2 m=38 s=39
